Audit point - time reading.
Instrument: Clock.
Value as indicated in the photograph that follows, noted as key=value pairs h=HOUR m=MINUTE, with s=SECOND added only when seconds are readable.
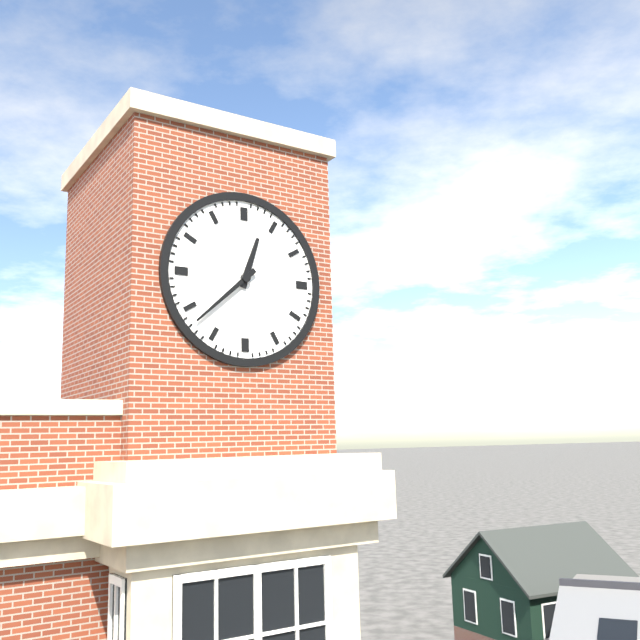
h=12 m=38
